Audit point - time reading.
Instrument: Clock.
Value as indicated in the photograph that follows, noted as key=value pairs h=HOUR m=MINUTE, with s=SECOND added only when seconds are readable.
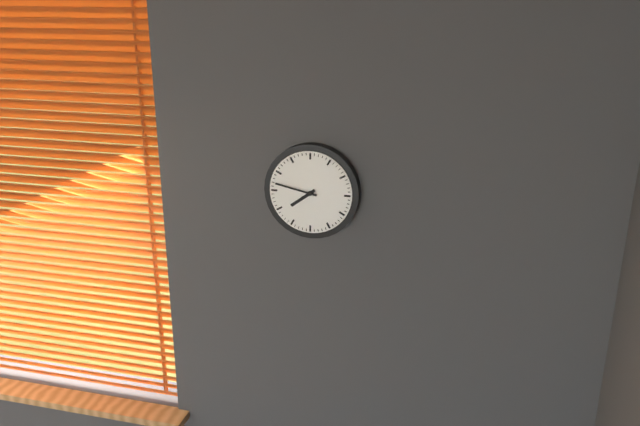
h=7 m=47
